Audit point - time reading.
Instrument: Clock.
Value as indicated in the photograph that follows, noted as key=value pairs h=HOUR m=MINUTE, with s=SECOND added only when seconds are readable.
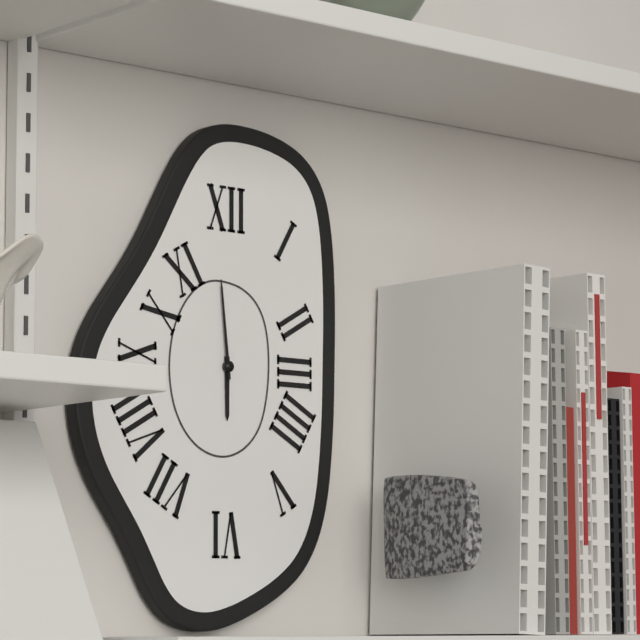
h=5 m=59
